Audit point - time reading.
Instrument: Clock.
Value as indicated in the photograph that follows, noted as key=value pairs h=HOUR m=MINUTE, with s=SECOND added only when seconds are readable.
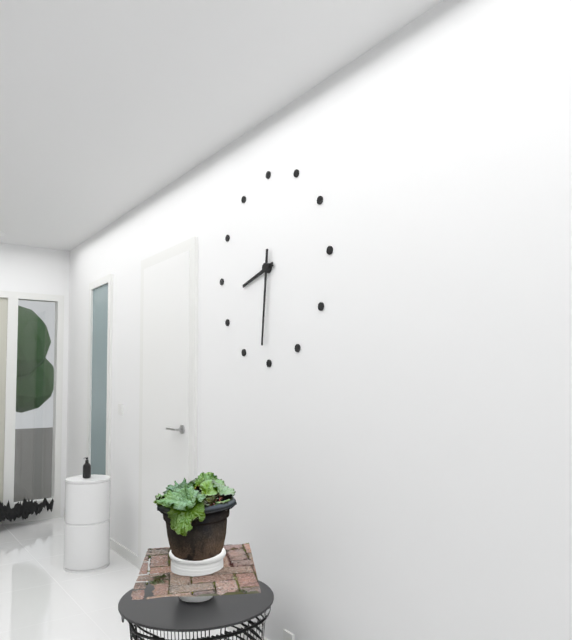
h=8 m=31
